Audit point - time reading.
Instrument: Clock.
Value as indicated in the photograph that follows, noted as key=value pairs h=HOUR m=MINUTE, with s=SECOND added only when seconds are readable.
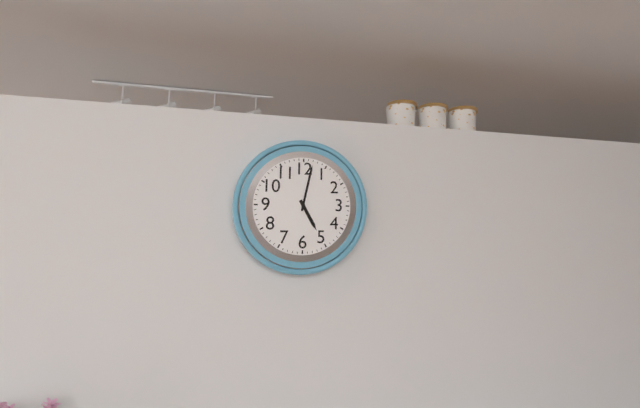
h=5 m=2
